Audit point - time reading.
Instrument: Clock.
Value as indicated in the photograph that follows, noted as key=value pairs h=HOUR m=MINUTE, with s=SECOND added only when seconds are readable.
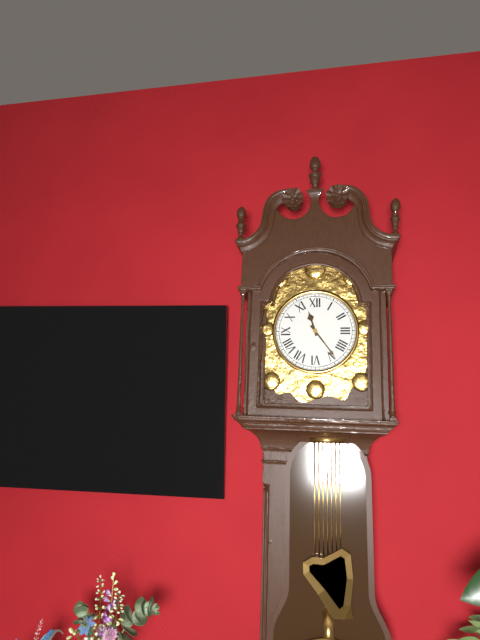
h=11 m=24
